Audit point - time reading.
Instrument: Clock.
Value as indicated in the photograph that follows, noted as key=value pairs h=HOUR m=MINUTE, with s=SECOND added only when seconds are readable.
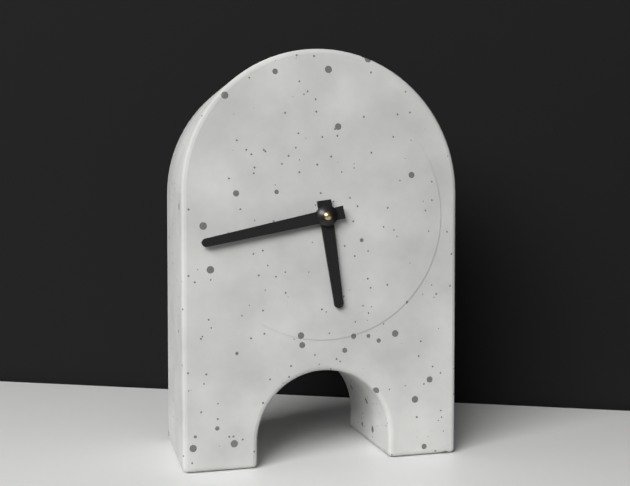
h=5 m=43
